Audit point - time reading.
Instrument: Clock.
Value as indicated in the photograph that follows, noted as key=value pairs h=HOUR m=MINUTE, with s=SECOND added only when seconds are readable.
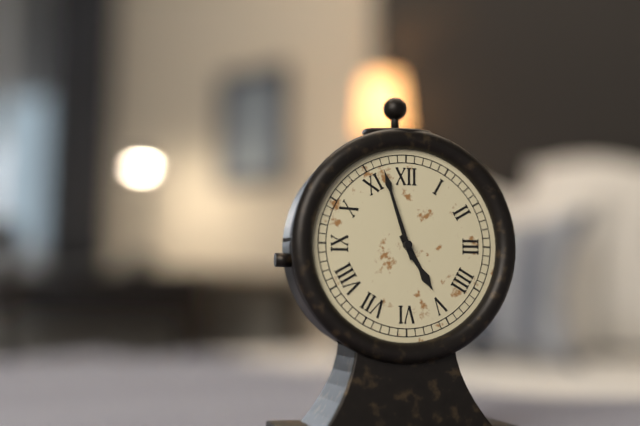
h=4 m=57
